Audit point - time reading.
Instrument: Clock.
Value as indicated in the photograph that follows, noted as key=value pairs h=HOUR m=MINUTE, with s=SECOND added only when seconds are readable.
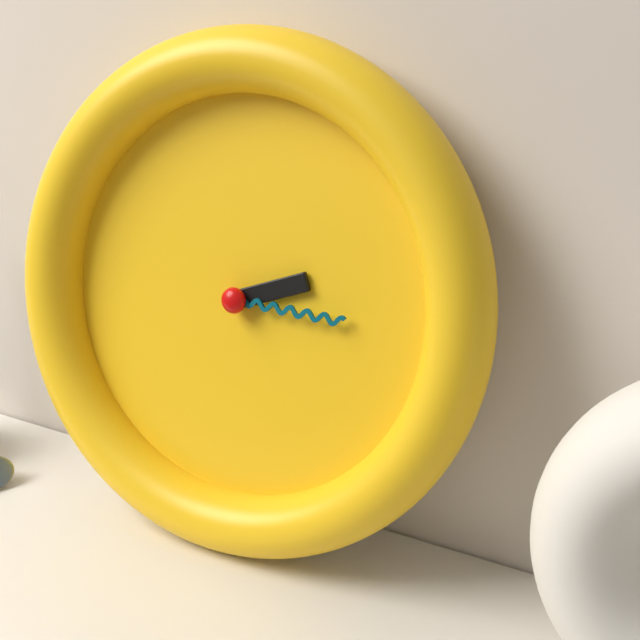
h=2 m=15
